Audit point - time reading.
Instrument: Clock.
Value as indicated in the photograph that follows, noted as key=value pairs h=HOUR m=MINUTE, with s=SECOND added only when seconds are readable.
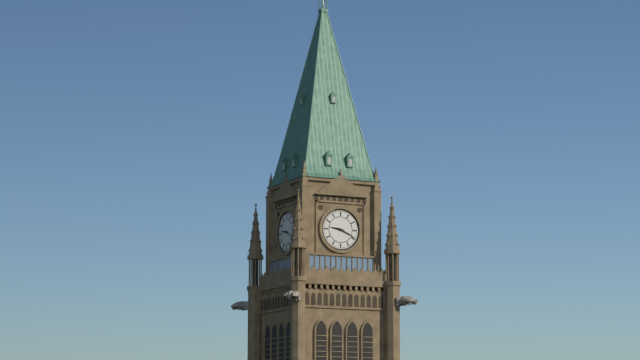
h=9 m=19
